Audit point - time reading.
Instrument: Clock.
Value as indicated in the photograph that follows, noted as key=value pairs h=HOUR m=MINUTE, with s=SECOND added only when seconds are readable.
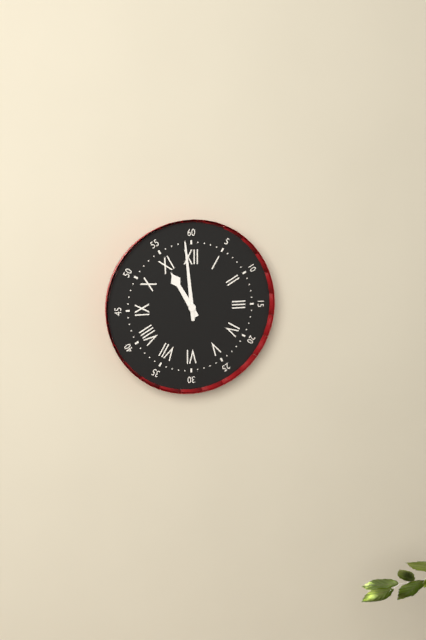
h=10 m=59
